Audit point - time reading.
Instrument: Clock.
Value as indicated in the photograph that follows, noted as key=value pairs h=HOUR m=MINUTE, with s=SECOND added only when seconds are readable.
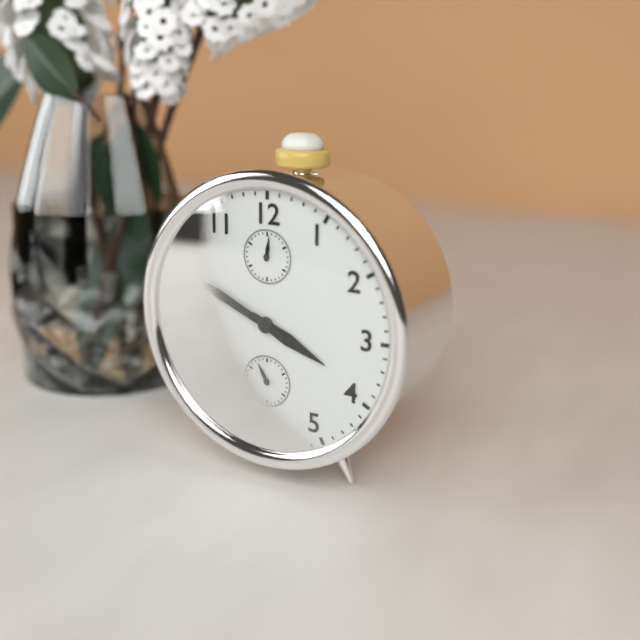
h=3 m=49
